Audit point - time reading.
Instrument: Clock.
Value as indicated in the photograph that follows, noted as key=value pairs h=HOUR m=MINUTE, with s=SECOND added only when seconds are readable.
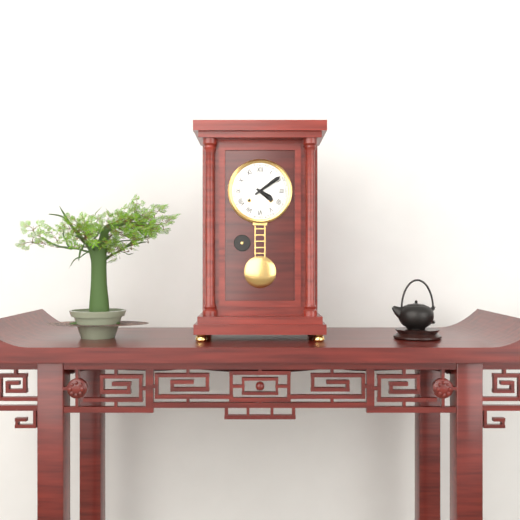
h=4 m=9
